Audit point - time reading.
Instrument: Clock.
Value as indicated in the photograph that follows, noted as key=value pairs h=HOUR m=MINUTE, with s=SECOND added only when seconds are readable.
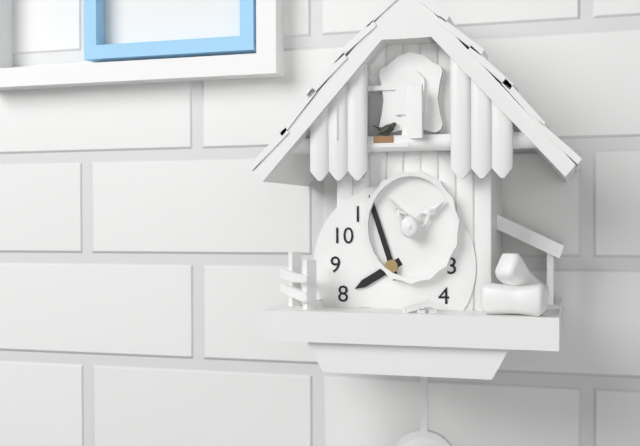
h=7 m=57
